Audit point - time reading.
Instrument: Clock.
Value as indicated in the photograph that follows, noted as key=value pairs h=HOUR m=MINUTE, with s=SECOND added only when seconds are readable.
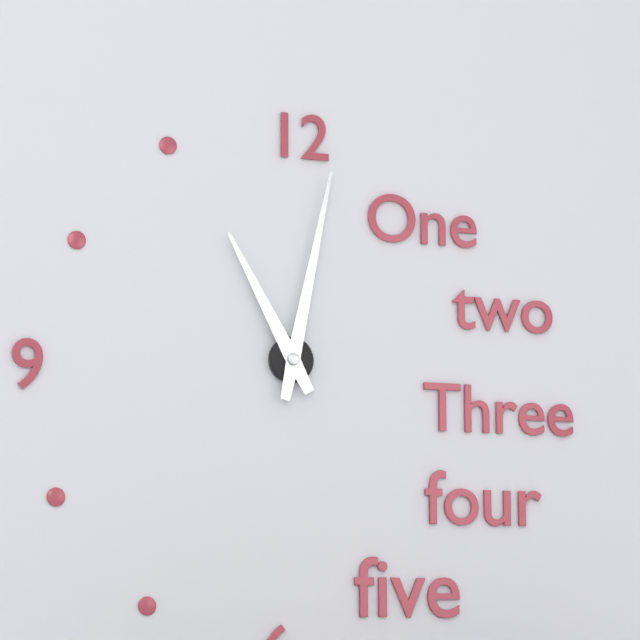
h=11 m=2
